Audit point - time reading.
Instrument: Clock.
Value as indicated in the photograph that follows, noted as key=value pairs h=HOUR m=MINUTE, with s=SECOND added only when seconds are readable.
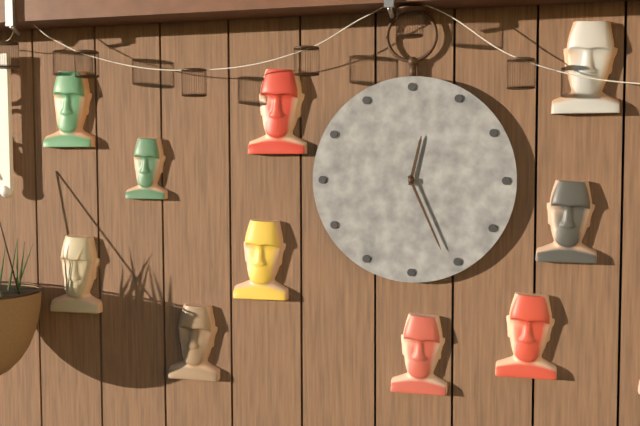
h=12 m=26
